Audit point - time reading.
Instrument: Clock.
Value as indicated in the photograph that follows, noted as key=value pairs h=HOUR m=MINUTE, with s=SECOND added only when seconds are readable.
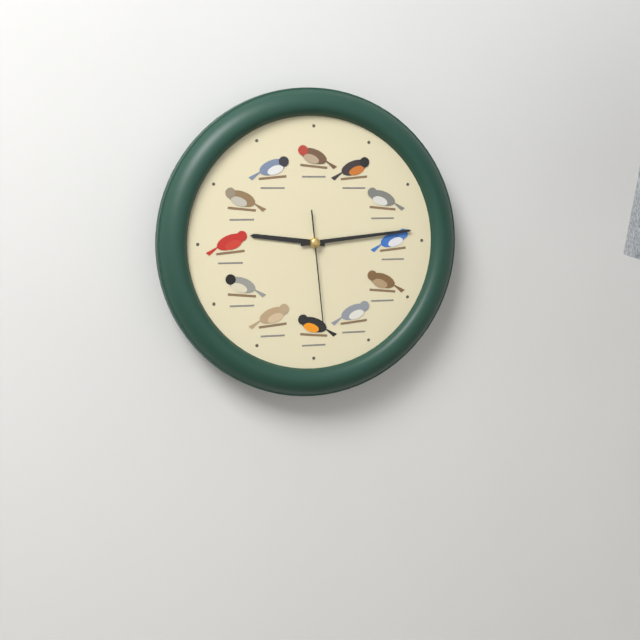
h=9 m=14 s=29
